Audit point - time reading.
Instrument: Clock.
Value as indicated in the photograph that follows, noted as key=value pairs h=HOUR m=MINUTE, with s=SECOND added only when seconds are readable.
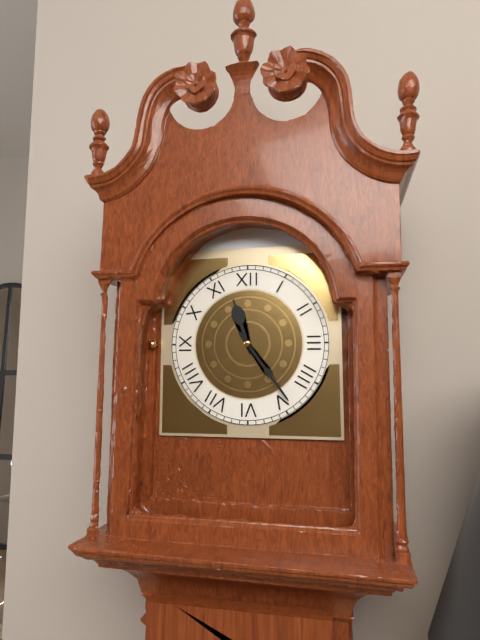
h=11 m=24
